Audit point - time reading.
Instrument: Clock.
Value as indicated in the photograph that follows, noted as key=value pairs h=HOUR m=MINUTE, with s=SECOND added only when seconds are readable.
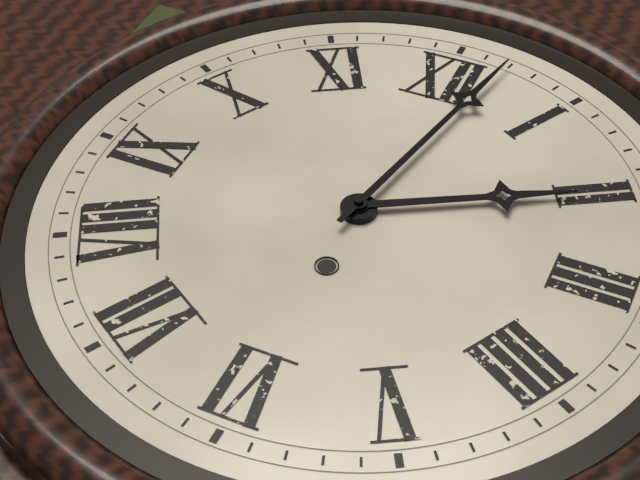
h=2 m=2
